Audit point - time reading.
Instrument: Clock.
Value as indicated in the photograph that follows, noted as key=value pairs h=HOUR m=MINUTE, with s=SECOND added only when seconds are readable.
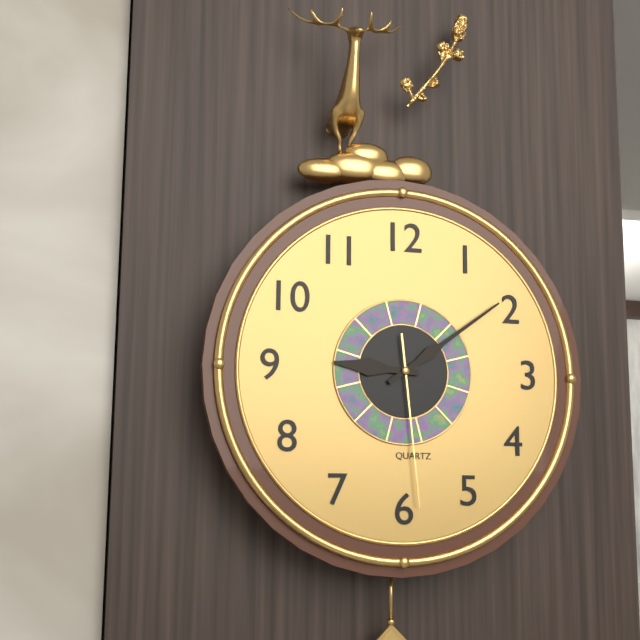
h=9 m=9 s=29
